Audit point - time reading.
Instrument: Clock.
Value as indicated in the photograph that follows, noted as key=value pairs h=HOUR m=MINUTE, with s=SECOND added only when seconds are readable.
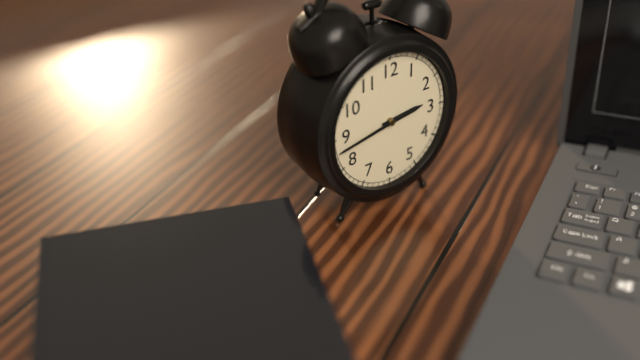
h=2 m=43
